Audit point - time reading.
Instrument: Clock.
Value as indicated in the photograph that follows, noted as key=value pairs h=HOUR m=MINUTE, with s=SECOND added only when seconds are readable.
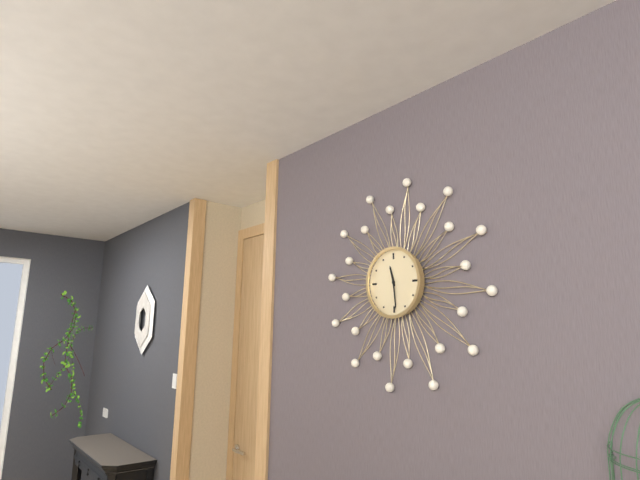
h=11 m=29
